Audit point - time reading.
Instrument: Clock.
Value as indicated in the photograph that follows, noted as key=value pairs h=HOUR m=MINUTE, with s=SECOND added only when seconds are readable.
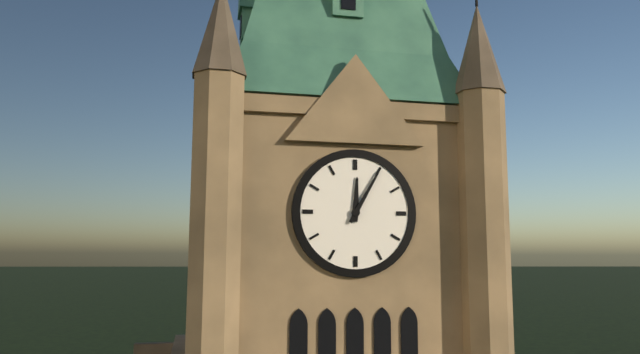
h=12 m=5
